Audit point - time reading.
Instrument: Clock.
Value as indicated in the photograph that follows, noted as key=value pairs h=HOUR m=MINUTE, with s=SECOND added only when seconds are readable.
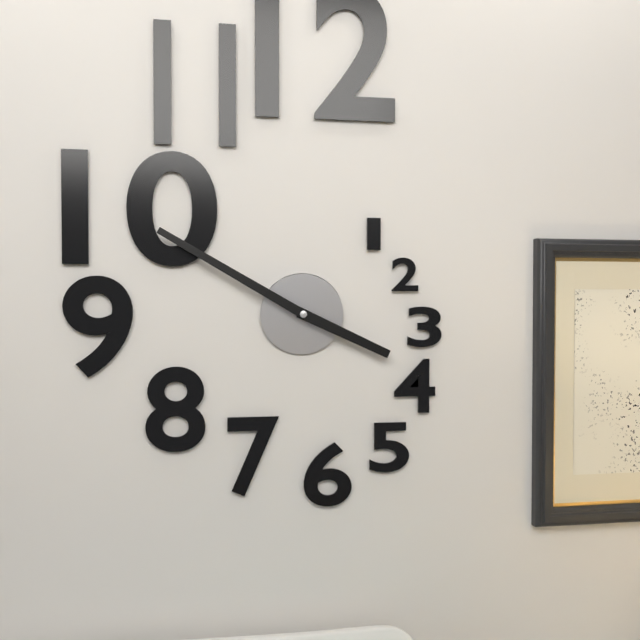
h=3 m=50
